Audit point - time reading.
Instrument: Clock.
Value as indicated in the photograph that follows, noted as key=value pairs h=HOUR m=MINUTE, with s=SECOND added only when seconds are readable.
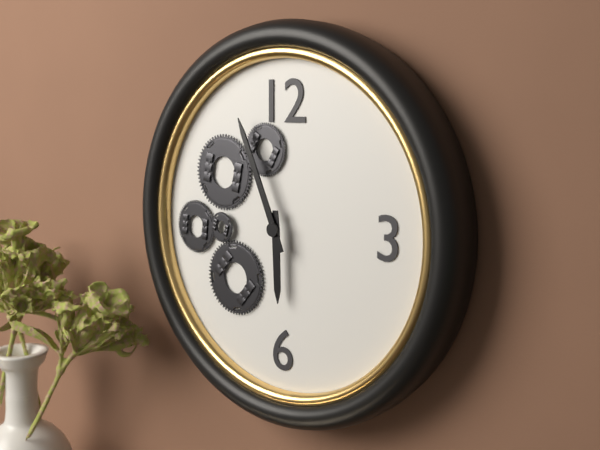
h=5 m=56
